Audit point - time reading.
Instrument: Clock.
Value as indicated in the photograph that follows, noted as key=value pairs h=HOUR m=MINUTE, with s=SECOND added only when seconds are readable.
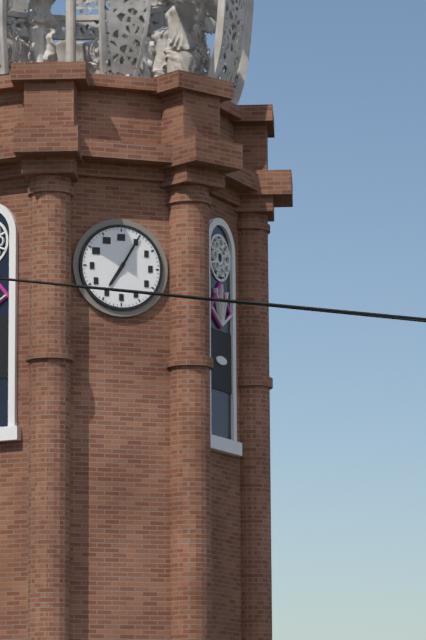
h=7 m=5
